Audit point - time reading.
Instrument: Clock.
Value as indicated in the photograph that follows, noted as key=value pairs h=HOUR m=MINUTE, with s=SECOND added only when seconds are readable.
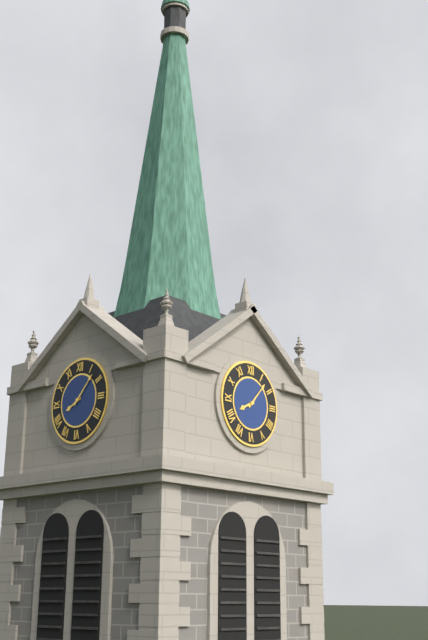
h=8 m=7
